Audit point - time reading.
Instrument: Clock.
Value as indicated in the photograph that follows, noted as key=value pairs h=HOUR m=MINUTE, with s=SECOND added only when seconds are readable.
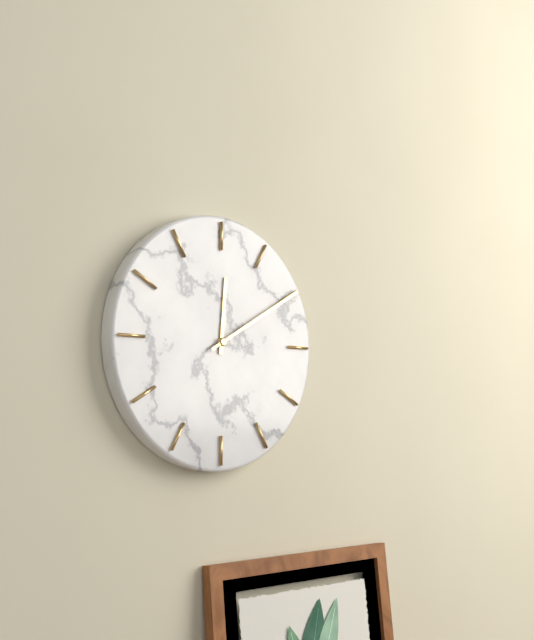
h=12 m=10
